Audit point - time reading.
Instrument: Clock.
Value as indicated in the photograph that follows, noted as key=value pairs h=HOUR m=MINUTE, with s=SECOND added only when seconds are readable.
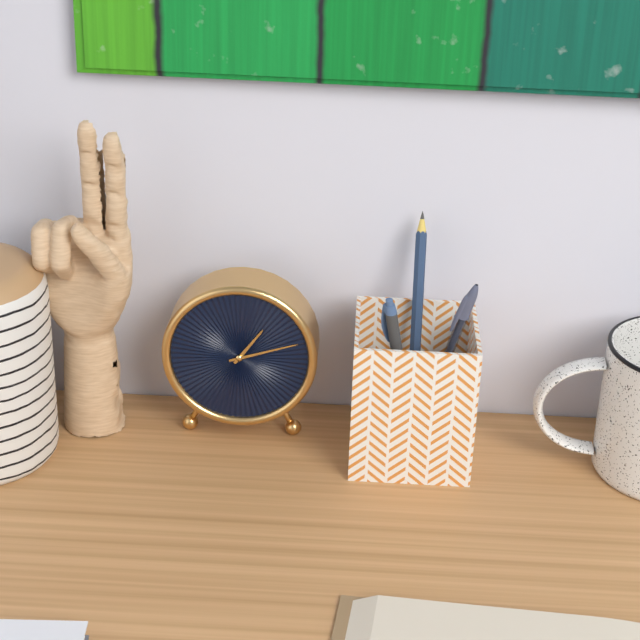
h=1 m=12
